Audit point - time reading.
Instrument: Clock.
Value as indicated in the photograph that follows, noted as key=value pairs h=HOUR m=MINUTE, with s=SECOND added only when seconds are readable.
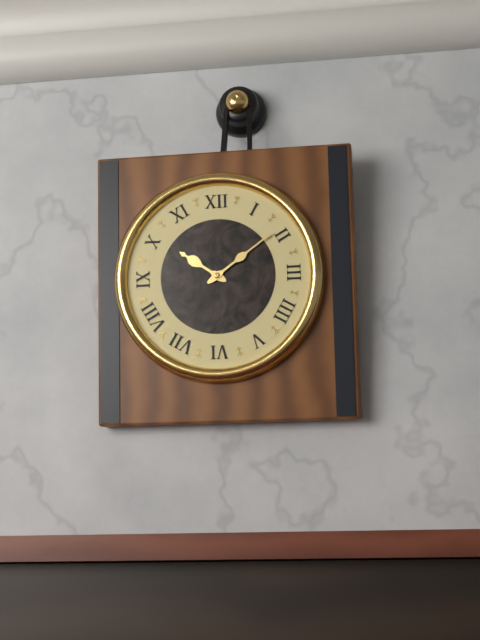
h=10 m=9
